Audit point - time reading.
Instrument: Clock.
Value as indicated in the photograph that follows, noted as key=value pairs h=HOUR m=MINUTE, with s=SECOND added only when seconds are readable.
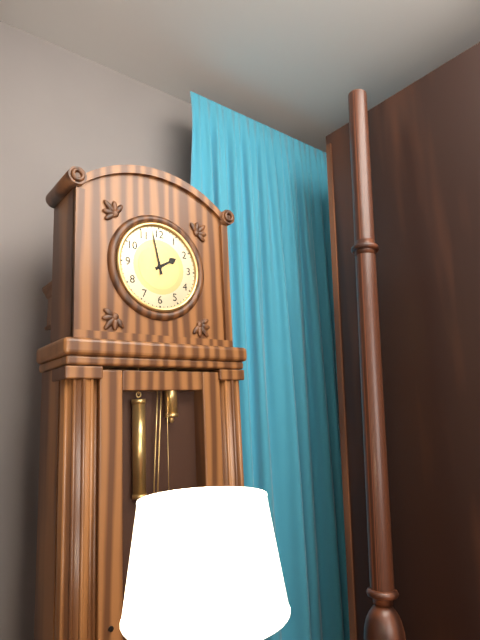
h=1 m=58
